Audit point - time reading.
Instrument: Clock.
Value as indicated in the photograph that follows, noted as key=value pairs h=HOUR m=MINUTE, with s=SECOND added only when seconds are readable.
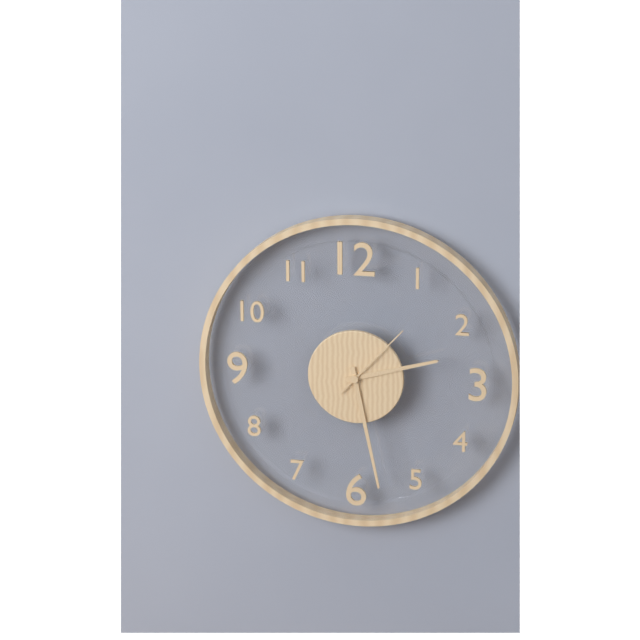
h=2 m=28 s=7
